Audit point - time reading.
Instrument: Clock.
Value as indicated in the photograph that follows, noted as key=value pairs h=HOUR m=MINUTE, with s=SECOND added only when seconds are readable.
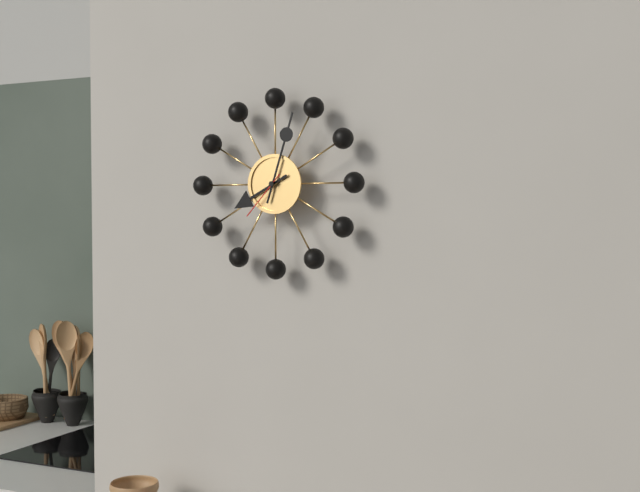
h=8 m=3 s=37
